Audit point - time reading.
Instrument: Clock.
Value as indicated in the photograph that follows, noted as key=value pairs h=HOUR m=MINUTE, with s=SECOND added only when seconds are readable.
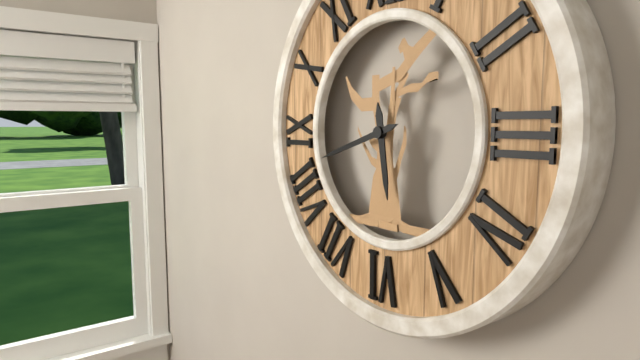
h=5 m=42
